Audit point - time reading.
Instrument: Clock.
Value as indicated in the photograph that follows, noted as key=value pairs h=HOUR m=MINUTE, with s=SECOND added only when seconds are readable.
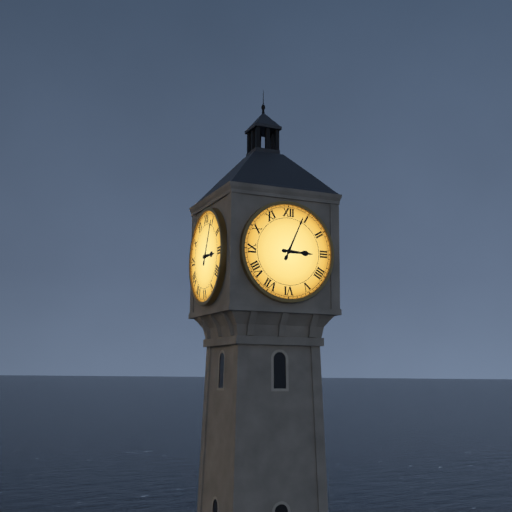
h=3 m=4
